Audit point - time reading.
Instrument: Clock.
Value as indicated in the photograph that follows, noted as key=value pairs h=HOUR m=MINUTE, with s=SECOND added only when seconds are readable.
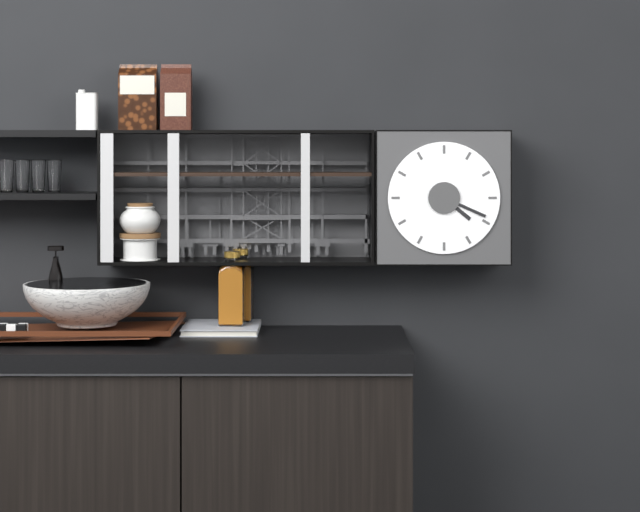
h=4 m=19
